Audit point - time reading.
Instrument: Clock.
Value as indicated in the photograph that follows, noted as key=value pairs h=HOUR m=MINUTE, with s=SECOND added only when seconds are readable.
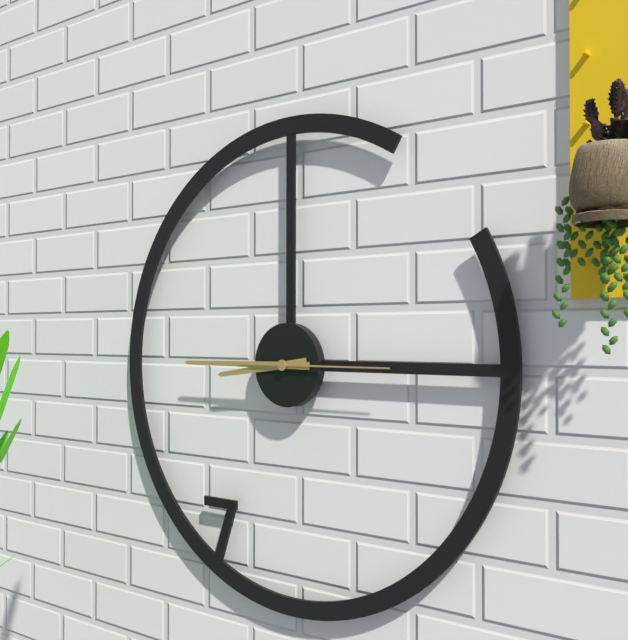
h=8 m=45 s=15
